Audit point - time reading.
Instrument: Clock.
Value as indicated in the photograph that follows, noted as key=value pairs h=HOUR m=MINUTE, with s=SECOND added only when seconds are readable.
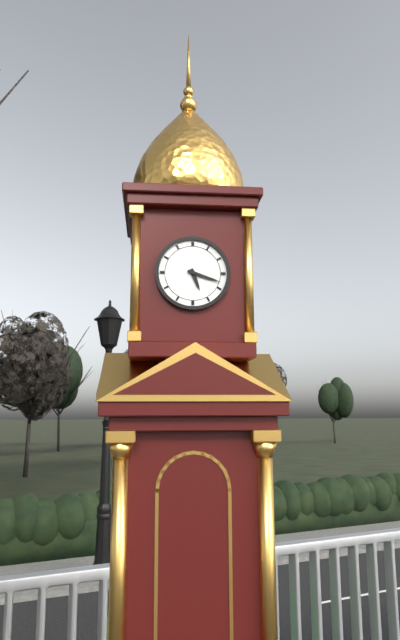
h=5 m=18
